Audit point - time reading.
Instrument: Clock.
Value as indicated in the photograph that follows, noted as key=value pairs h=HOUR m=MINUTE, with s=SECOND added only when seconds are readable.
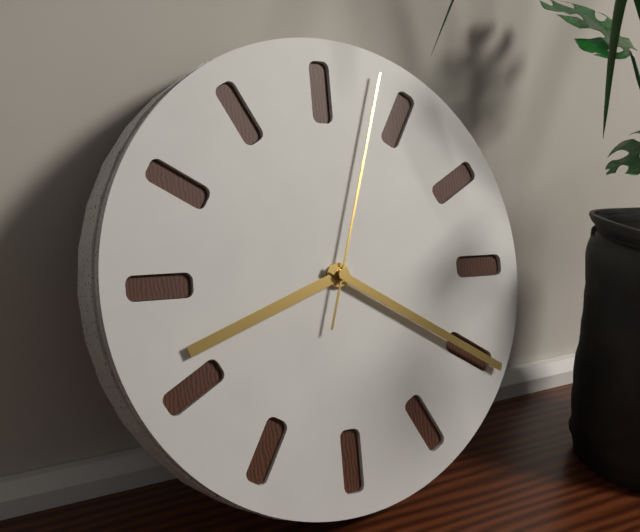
h=8 m=20 s=3
